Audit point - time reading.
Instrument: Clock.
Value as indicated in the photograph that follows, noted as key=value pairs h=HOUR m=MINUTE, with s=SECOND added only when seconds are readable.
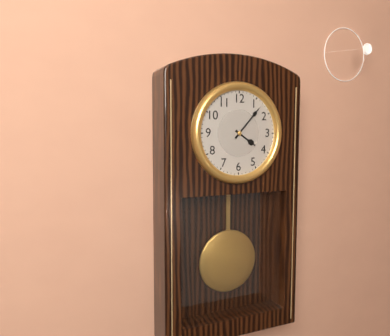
h=4 m=7
